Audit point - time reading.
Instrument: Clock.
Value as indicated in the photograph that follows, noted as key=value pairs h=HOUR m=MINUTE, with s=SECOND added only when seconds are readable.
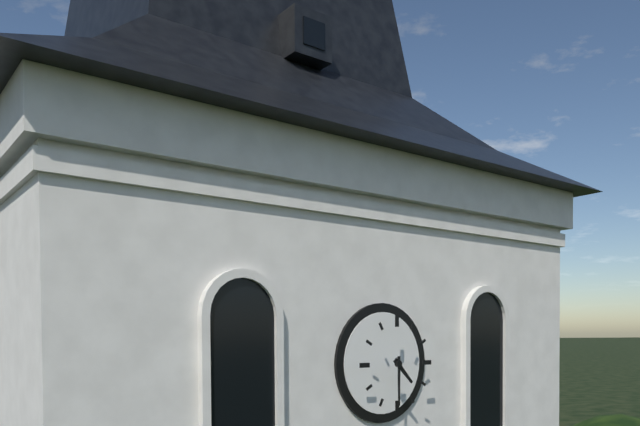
h=4 m=30
